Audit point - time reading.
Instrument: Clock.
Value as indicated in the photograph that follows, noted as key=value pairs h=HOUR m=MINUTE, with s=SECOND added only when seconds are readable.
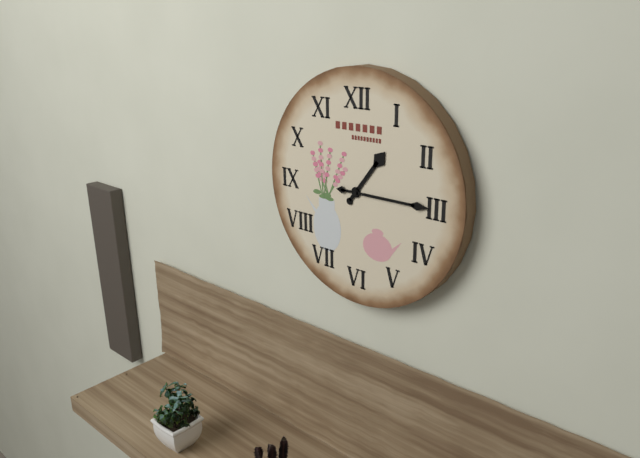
h=1 m=15
